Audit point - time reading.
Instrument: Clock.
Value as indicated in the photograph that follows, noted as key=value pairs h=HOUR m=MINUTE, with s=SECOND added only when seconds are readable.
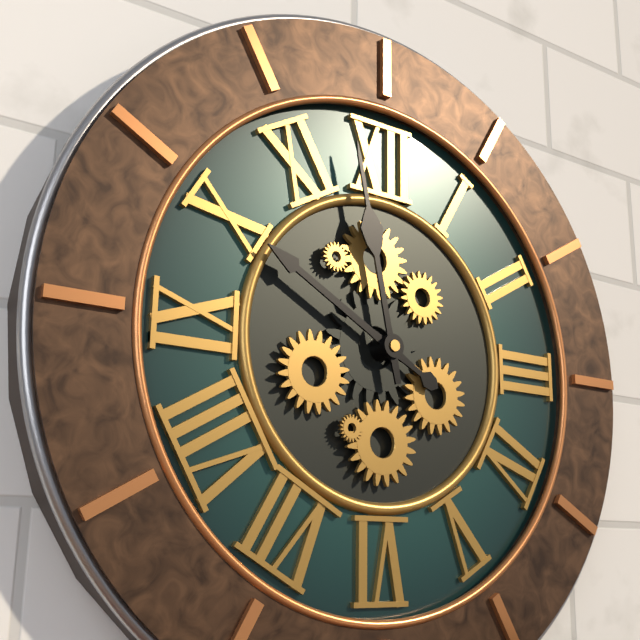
h=9 m=58
